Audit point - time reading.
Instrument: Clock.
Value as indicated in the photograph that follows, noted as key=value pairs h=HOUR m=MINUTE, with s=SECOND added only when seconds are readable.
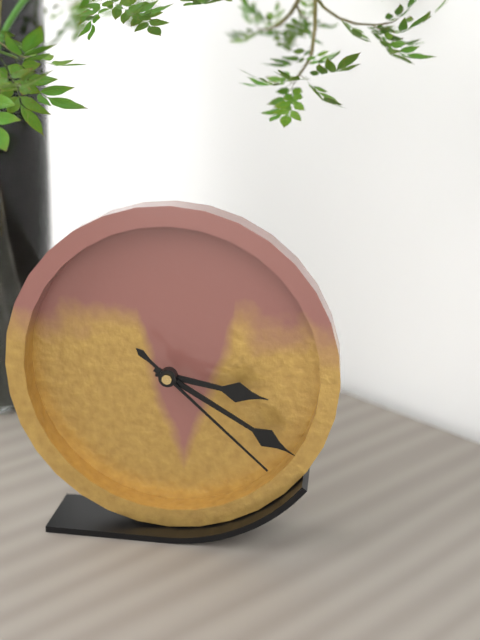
h=3 m=20 s=22
